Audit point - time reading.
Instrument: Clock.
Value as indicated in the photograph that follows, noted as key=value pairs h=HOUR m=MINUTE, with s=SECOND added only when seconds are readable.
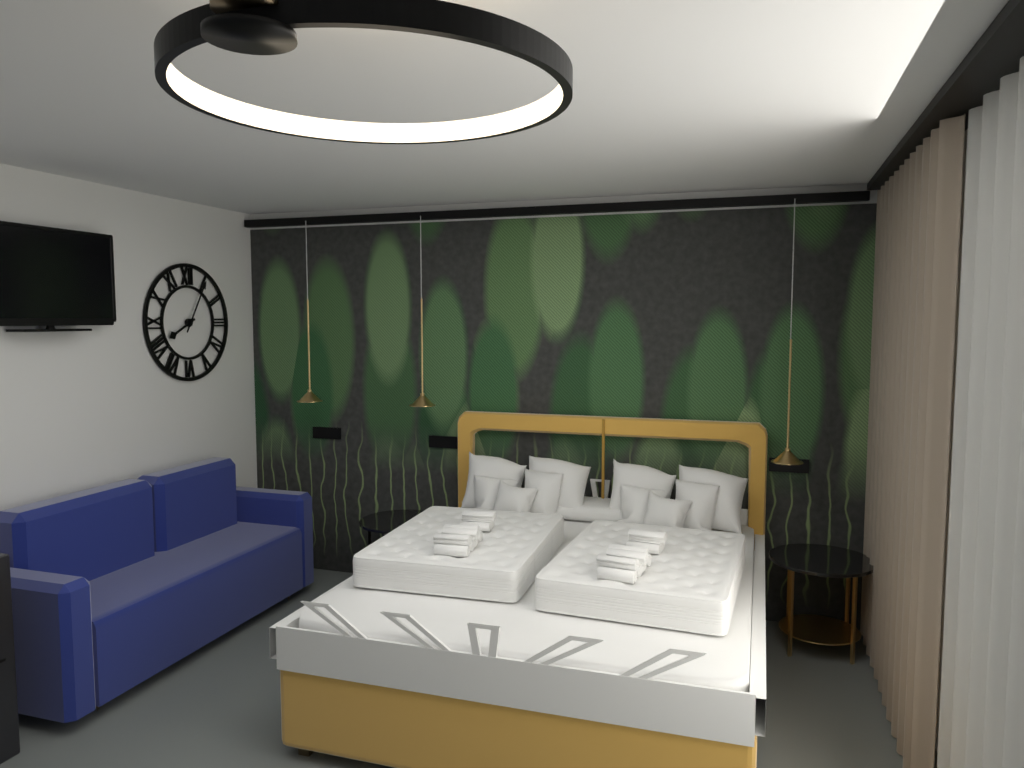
h=8 m=5
